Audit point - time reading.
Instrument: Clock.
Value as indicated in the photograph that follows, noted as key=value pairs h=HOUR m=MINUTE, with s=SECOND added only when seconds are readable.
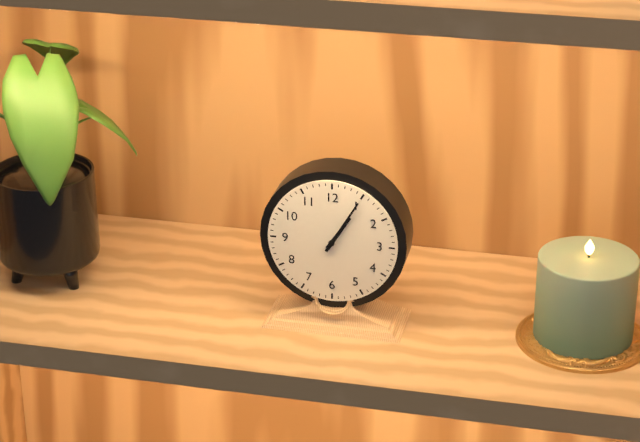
h=1 m=5
